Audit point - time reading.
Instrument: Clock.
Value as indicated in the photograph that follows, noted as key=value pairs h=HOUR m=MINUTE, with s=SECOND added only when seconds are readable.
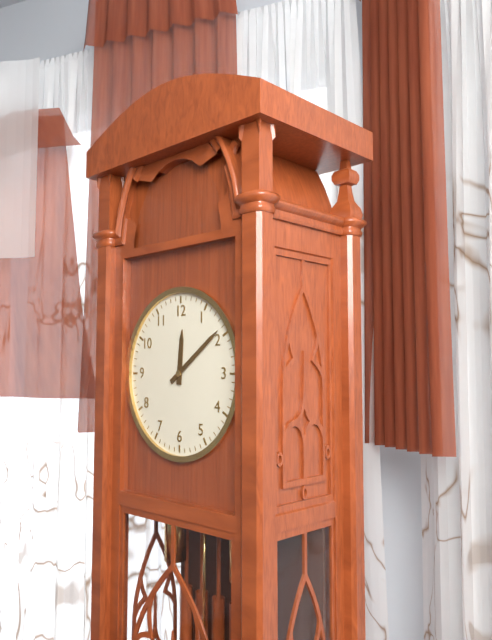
h=12 m=9
